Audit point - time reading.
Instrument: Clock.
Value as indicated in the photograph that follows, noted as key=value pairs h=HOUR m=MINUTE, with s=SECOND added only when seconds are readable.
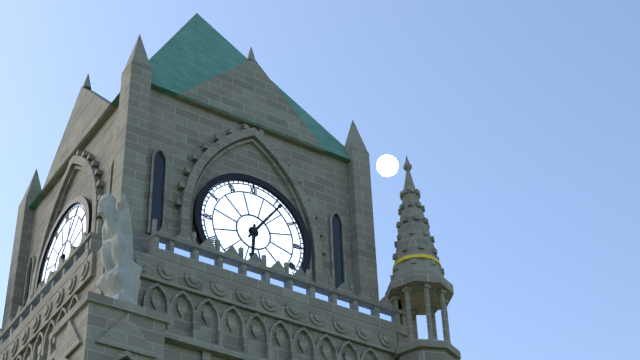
h=6 m=6
